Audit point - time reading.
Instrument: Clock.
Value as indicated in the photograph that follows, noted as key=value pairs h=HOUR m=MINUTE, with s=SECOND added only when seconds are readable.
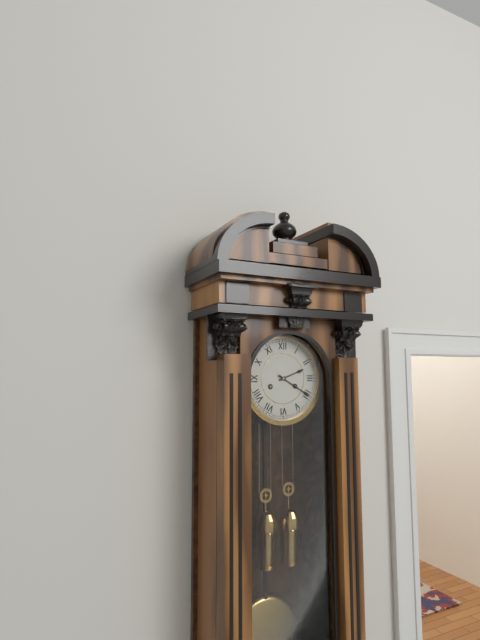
h=2 m=20
